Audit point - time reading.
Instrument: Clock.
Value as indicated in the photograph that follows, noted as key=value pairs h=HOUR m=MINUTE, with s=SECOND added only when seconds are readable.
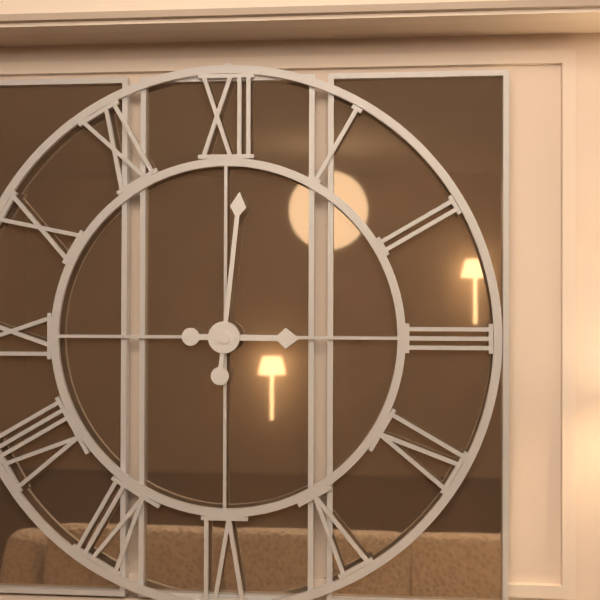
h=3 m=1
